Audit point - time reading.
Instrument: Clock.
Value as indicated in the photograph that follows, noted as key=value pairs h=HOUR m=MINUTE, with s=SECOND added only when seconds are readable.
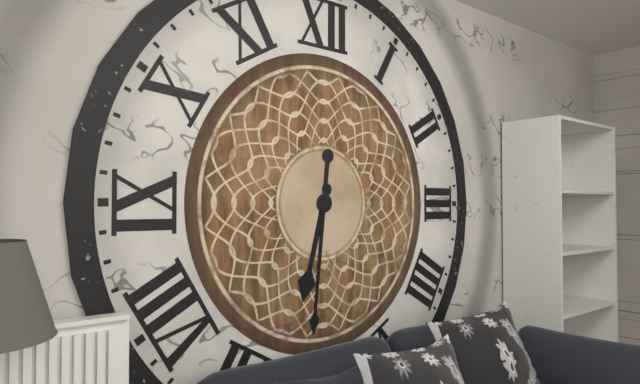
h=6 m=31
